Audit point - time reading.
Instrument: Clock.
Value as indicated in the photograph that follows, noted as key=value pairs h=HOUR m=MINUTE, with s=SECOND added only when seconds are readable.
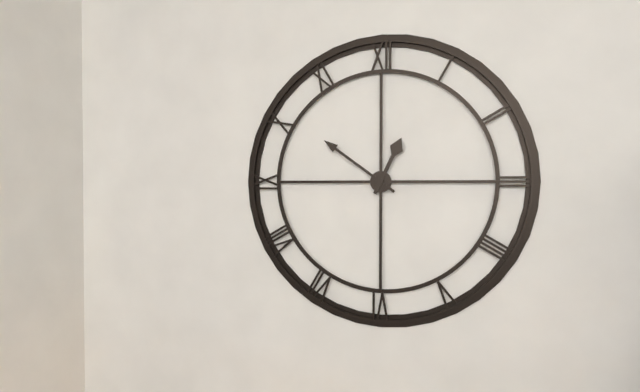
h=12 m=51
